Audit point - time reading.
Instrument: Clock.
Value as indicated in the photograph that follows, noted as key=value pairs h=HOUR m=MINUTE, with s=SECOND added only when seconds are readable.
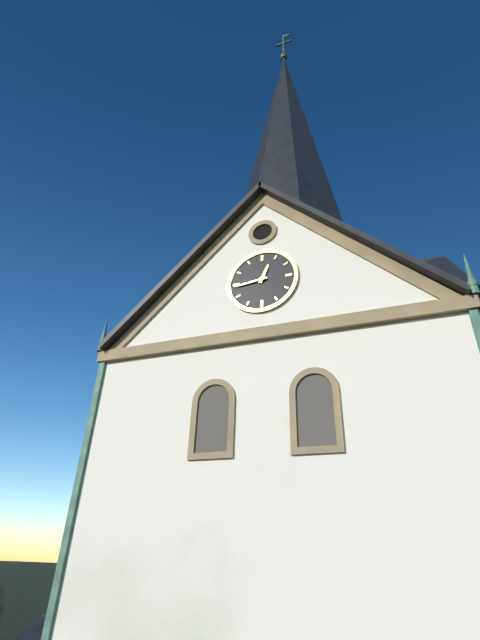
h=12 m=44
